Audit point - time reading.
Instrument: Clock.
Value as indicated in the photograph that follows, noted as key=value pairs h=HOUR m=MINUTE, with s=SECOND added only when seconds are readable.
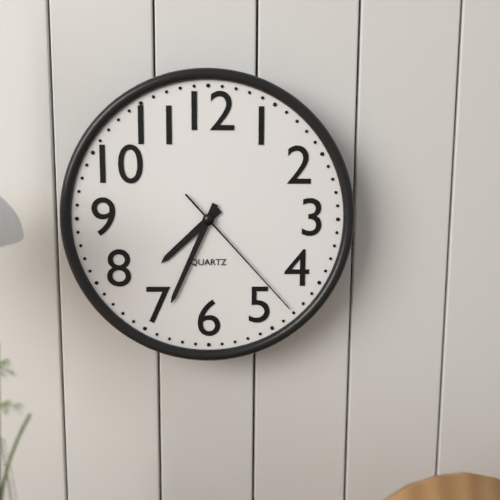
h=7 m=34 s=23
